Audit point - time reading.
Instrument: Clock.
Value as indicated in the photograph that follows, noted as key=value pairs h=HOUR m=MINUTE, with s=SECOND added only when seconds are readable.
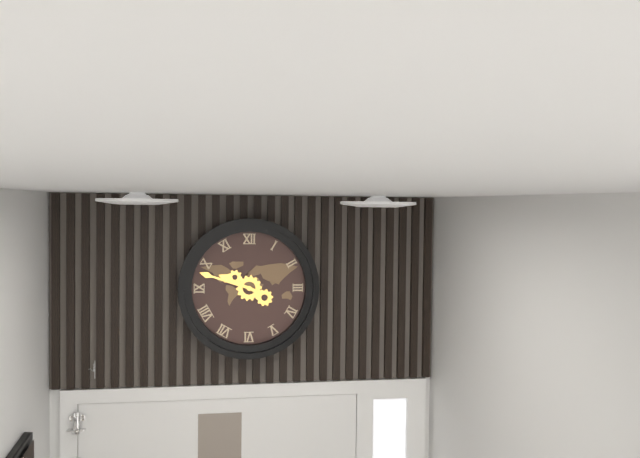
h=9 m=48
